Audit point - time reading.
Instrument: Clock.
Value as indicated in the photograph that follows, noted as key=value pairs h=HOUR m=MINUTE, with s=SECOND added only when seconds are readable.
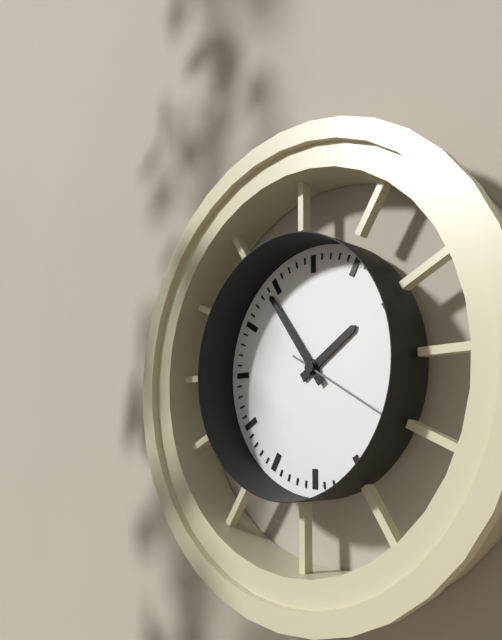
h=1 m=54 s=20
